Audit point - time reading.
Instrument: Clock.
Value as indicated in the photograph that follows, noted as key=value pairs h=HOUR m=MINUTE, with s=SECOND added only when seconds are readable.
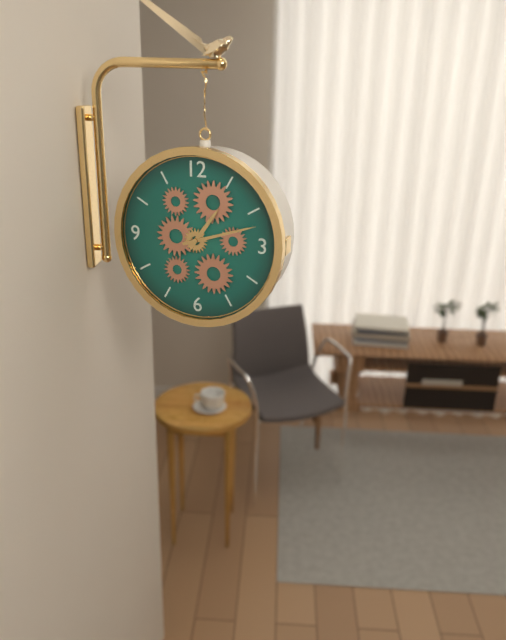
h=1 m=12
